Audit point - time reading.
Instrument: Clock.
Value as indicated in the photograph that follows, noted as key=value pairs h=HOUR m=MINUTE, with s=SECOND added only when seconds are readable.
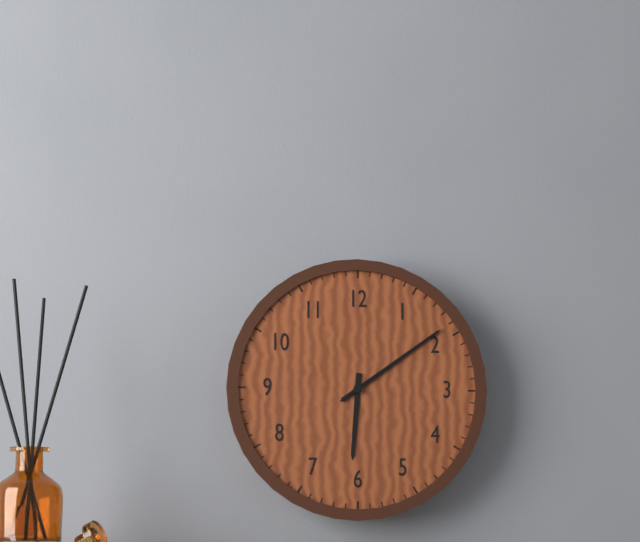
h=6 m=9 s=9
